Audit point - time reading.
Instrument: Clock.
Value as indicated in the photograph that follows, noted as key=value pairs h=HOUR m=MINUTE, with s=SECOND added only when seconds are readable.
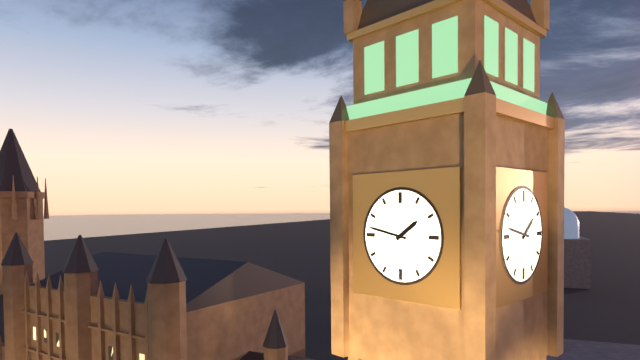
h=1 m=47
